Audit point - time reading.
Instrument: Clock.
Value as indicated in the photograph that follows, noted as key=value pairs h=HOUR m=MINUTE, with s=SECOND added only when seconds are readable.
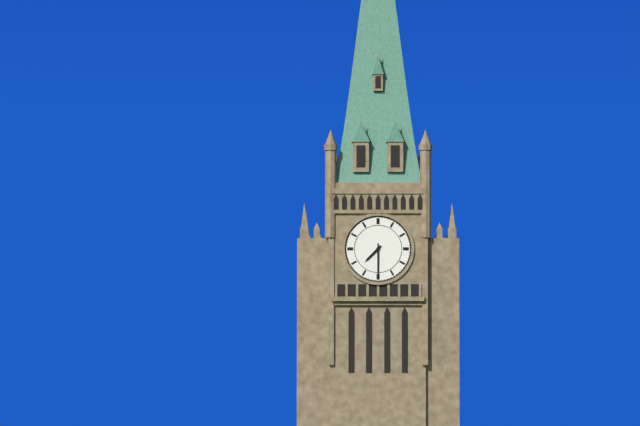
h=7 m=30
